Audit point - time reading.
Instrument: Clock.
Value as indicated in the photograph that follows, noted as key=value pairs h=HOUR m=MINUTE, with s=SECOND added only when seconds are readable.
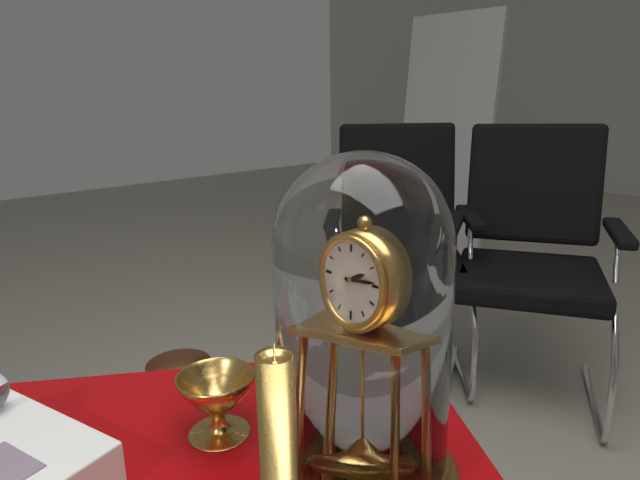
h=2 m=14
